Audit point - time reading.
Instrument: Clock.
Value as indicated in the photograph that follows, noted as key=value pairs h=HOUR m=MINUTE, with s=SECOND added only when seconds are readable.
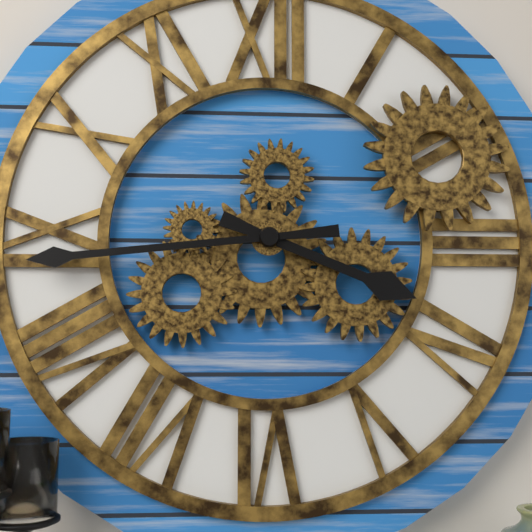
h=3 m=44
